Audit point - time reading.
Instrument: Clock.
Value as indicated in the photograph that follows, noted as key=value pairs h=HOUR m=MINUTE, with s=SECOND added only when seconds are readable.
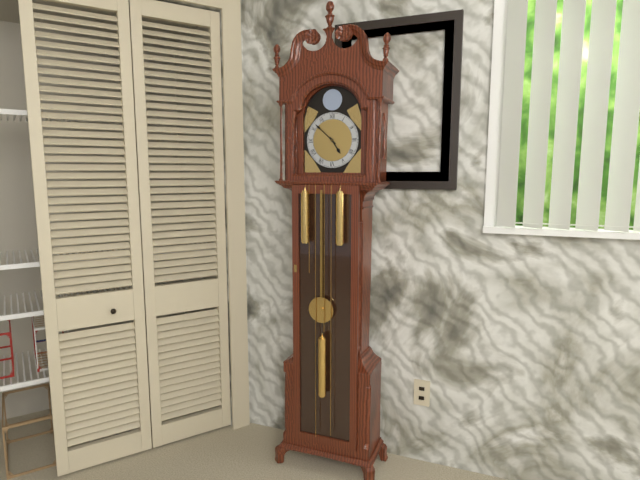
h=4 m=52
